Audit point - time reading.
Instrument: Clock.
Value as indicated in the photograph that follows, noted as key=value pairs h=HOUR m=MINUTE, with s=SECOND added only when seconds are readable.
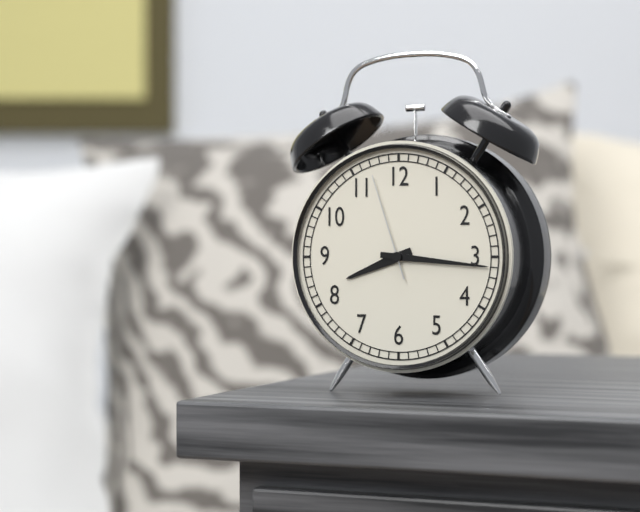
h=8 m=16 s=57
